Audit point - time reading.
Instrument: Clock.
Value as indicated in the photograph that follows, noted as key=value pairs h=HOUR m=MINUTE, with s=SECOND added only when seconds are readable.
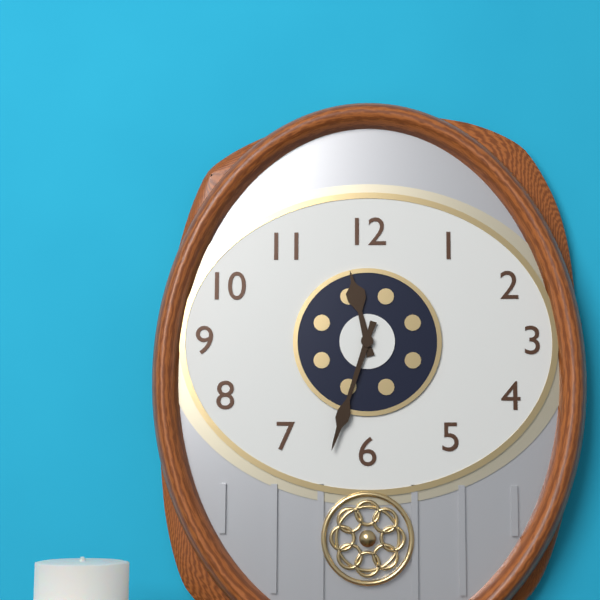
h=11 m=33
